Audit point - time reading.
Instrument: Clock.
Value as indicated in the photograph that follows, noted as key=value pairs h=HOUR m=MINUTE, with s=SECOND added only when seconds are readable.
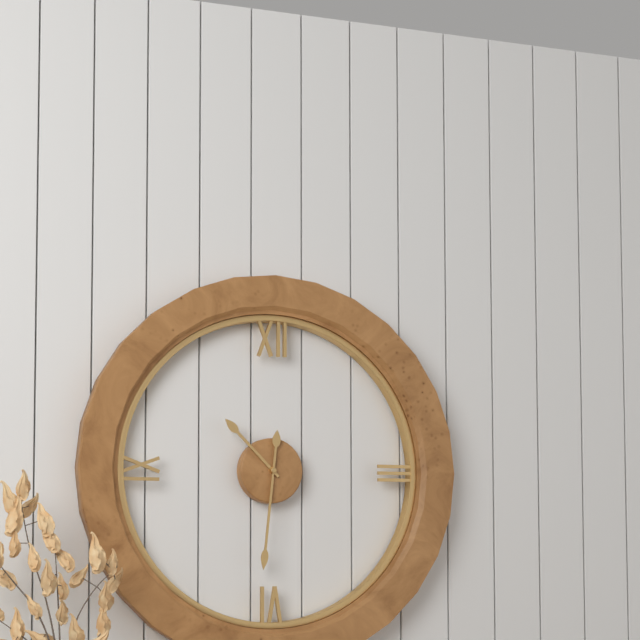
h=10 m=31
